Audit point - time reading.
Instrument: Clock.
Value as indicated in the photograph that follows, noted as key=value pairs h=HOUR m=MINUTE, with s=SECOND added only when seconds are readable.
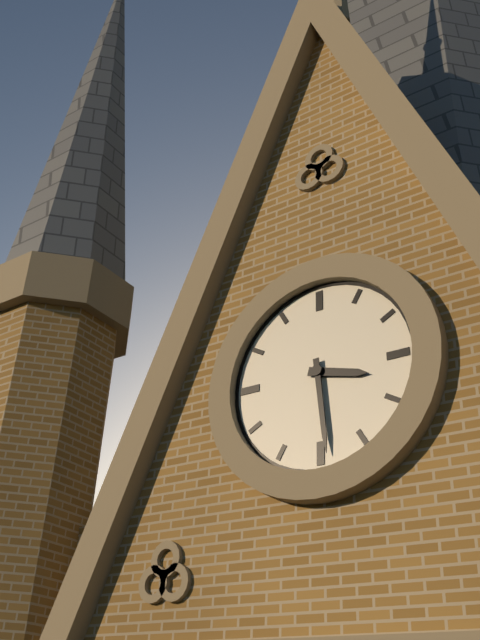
h=3 m=29
